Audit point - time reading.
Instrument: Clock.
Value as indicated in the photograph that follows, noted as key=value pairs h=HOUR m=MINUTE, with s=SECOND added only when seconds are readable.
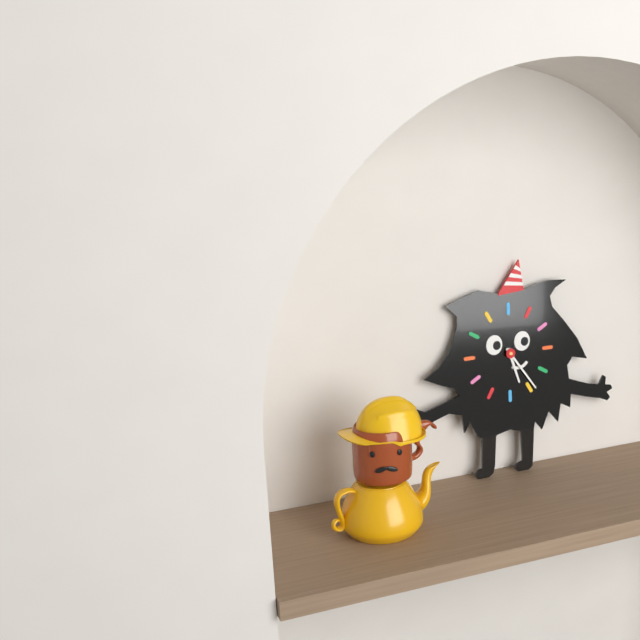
h=5 m=24
